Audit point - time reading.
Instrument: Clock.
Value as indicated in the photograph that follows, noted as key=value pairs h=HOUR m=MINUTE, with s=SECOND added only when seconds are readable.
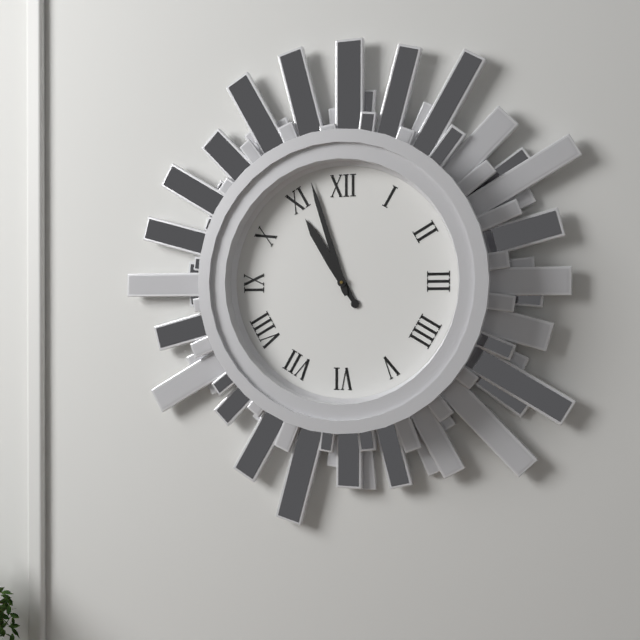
h=10 m=57
